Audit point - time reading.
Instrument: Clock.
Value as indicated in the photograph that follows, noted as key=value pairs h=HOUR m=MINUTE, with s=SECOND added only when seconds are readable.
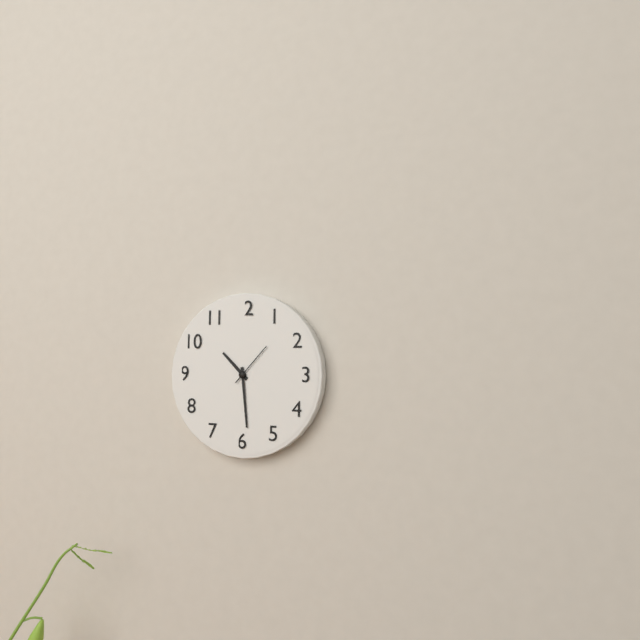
h=10 m=29
